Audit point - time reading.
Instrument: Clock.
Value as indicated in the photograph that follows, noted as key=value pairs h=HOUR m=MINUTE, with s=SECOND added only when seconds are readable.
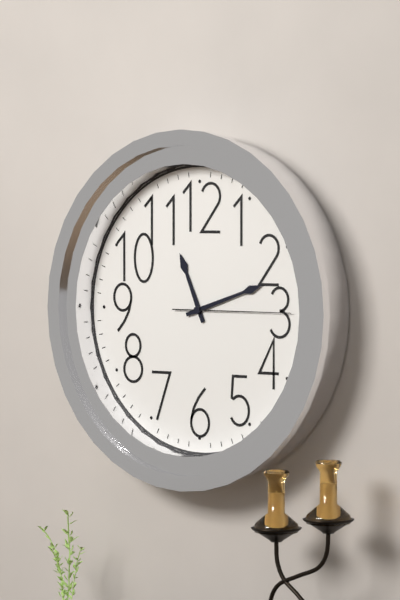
h=11 m=12 s=15
